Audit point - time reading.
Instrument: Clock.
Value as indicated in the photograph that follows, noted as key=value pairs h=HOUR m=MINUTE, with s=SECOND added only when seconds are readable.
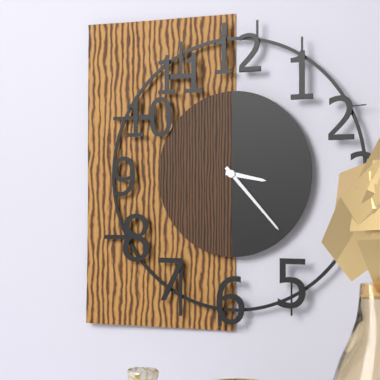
h=3 m=23
